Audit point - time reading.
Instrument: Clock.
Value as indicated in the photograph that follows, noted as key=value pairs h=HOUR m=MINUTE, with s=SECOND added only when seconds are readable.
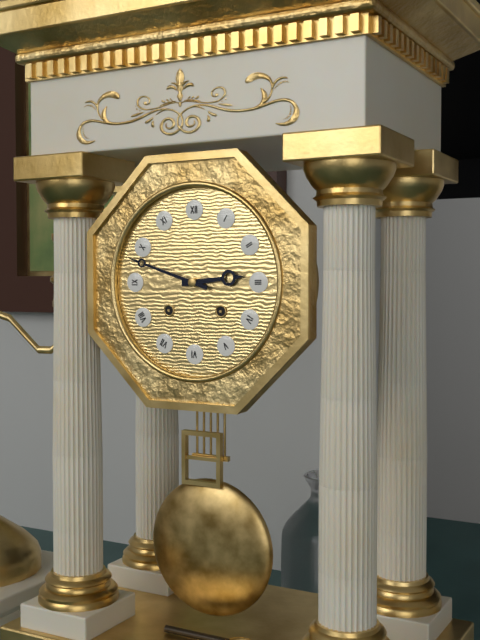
h=2 m=48
